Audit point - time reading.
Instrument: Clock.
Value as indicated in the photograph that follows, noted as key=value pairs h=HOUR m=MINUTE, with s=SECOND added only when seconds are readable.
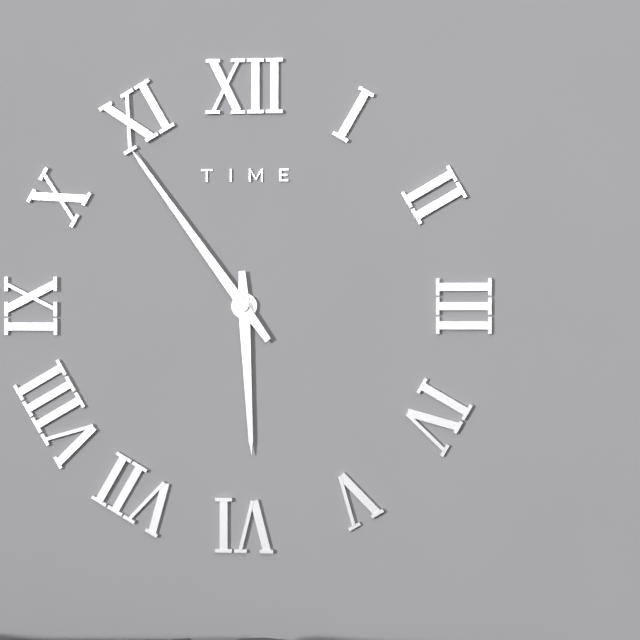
h=5 m=54
